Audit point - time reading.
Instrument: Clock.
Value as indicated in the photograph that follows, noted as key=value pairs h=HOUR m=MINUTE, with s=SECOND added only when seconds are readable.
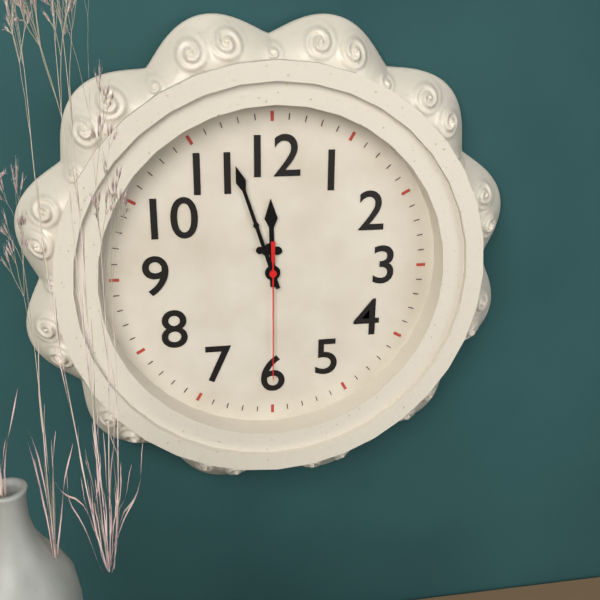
h=11 m=57 s=30
